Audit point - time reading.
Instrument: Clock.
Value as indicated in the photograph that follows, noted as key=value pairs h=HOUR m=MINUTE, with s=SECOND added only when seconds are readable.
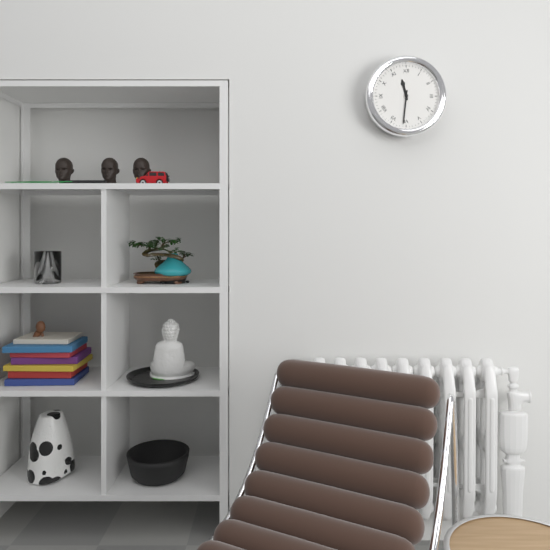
h=11 m=31
